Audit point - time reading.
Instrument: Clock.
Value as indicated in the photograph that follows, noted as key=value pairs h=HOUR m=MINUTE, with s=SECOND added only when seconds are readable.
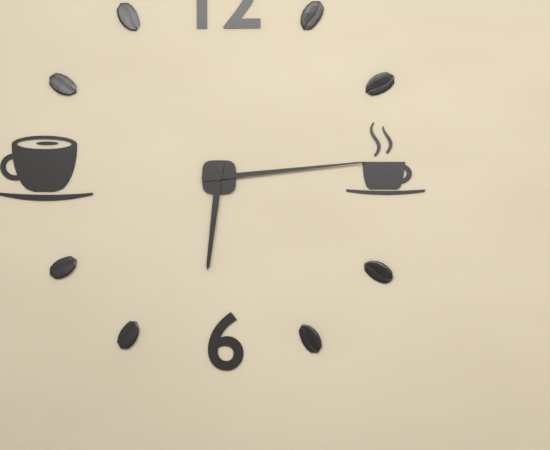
h=6 m=14
